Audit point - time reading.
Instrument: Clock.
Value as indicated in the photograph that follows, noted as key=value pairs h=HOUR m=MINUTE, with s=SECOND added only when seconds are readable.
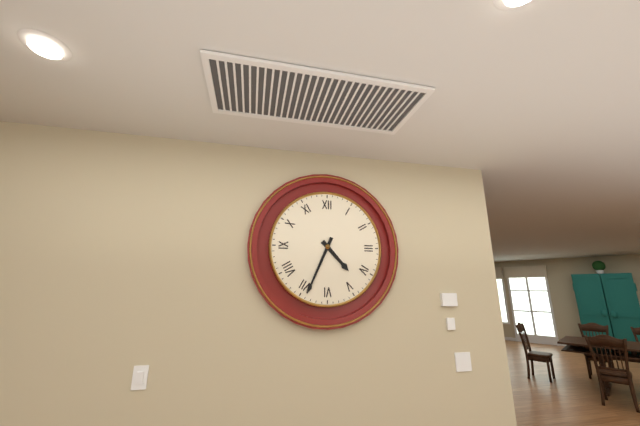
h=4 m=34
